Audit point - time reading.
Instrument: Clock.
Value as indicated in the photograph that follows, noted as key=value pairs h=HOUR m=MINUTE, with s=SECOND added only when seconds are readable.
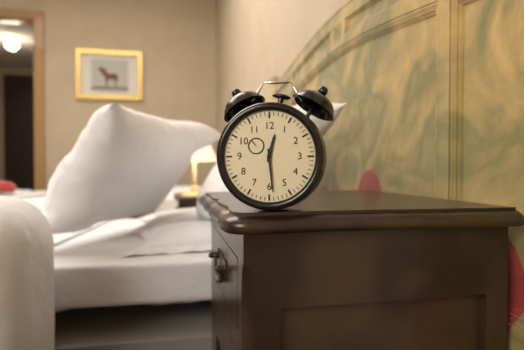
h=12 m=29
